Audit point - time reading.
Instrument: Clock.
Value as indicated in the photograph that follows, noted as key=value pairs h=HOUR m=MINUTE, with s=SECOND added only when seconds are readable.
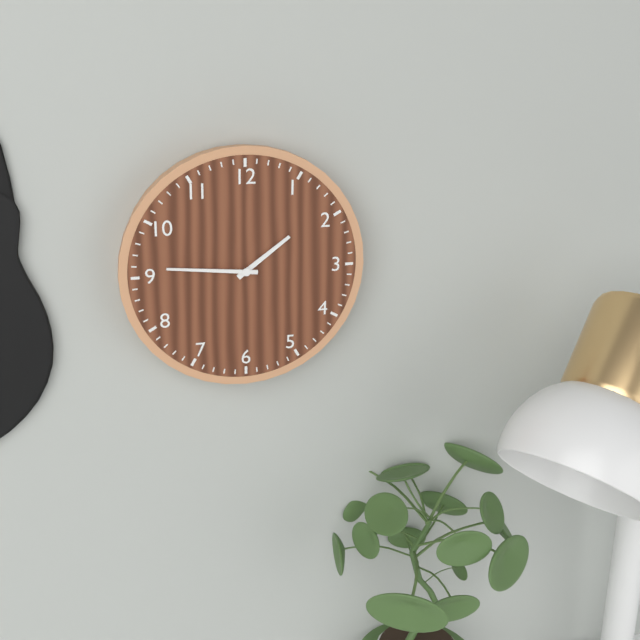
h=1 m=46
